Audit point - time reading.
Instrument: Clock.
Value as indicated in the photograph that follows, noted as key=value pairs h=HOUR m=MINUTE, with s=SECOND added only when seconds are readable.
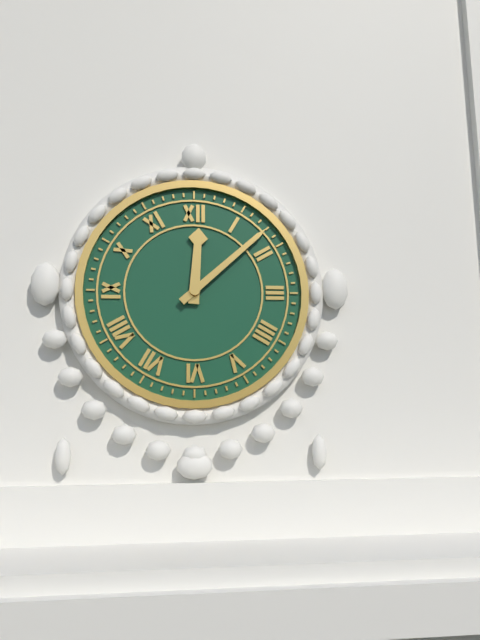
h=12 m=8
